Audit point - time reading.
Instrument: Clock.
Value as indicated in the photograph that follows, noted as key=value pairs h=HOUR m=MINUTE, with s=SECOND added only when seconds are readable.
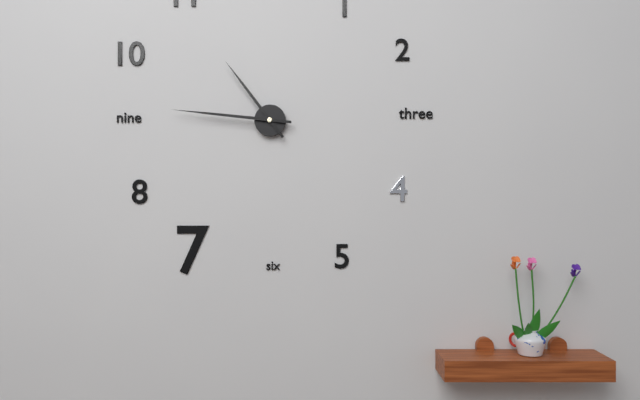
h=10 m=46
